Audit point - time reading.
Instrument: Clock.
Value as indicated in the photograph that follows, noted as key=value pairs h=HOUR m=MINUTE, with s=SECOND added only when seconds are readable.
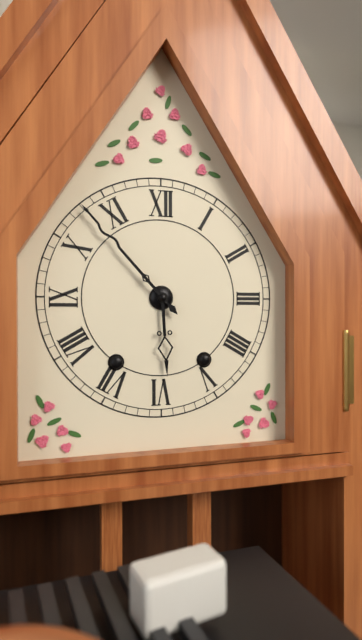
h=5 m=53
